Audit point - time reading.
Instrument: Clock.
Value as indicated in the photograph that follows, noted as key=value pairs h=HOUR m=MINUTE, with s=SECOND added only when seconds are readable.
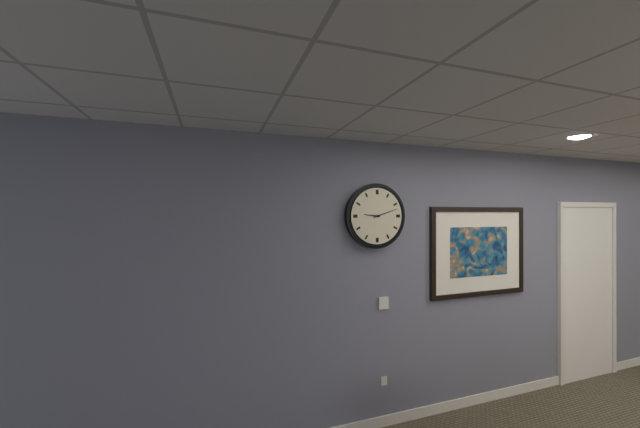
h=9 m=12
